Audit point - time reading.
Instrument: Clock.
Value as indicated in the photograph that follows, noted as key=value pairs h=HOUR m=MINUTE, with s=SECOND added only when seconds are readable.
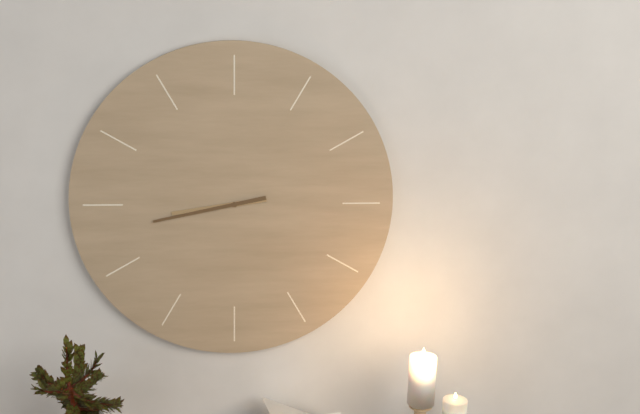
h=8 m=43
